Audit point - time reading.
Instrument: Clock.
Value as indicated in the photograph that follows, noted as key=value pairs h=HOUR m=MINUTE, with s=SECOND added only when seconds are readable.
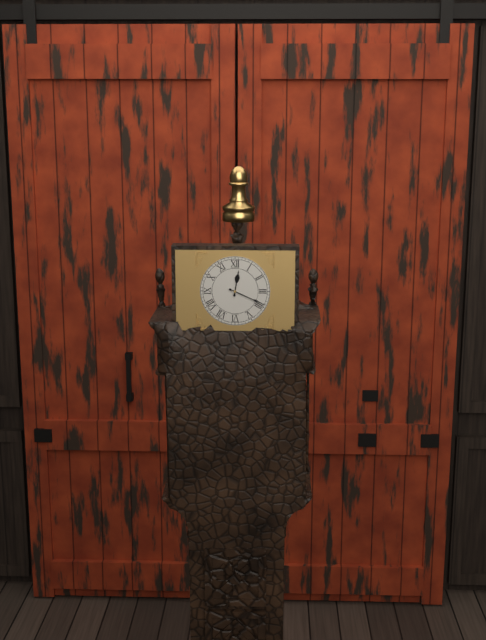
h=12 m=19
